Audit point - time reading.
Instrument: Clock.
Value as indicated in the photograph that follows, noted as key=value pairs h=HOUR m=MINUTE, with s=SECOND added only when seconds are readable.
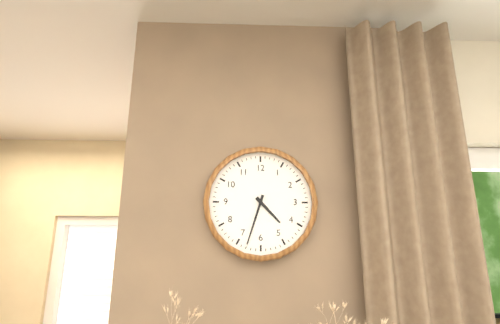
h=4 m=33
